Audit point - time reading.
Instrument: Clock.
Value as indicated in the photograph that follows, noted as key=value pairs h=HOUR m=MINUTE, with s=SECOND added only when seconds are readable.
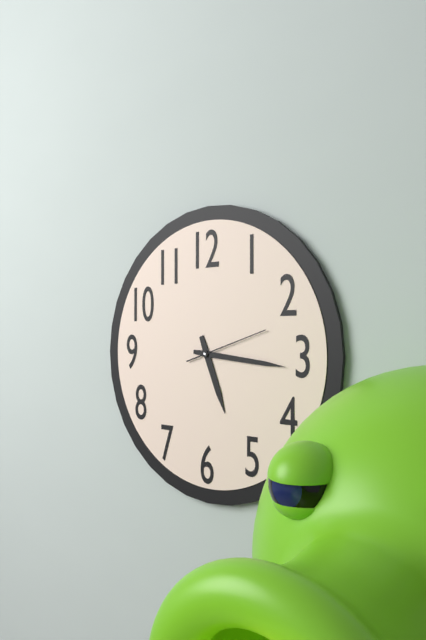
h=5 m=16 s=12
